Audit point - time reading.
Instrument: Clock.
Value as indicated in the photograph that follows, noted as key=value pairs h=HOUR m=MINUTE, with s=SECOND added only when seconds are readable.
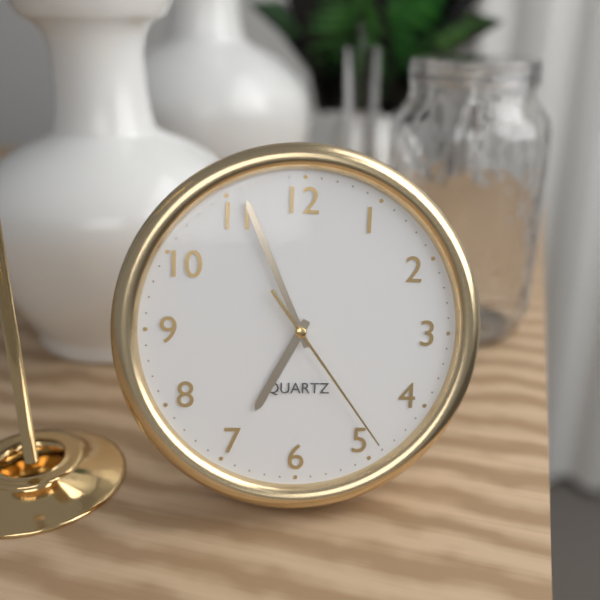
h=6 m=56 s=24
